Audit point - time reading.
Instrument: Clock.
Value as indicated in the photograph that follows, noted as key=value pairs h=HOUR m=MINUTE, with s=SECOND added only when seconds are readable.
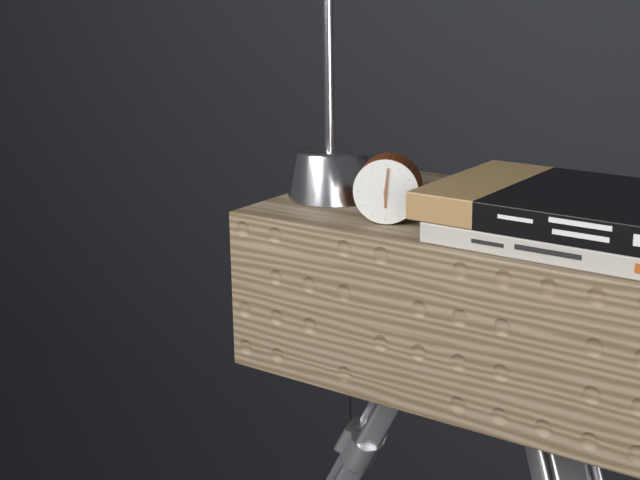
h=6 m=1
